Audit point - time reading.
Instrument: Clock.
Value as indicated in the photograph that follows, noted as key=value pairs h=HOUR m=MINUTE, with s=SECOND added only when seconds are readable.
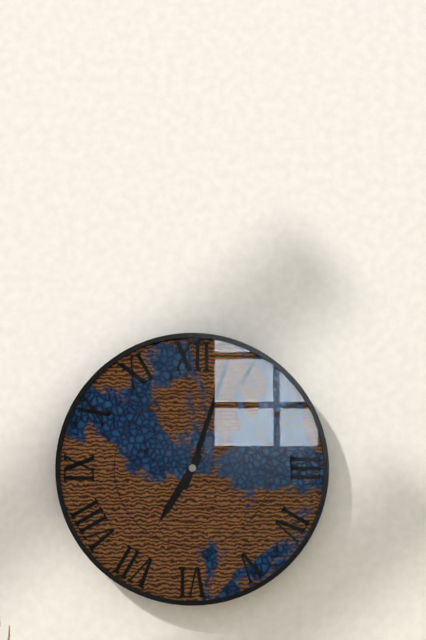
h=7 m=3
